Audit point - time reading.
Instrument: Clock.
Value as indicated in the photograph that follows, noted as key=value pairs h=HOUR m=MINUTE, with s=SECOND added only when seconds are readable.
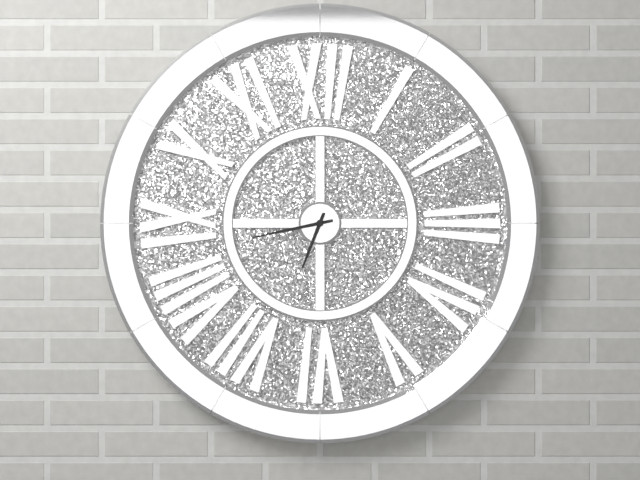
h=6 m=43
